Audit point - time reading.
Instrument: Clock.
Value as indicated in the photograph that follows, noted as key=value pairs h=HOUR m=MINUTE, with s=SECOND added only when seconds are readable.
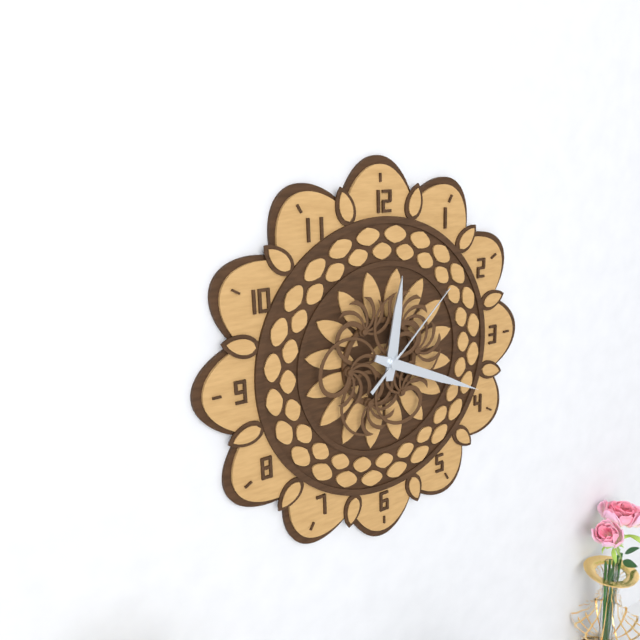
h=12 m=19 s=8
